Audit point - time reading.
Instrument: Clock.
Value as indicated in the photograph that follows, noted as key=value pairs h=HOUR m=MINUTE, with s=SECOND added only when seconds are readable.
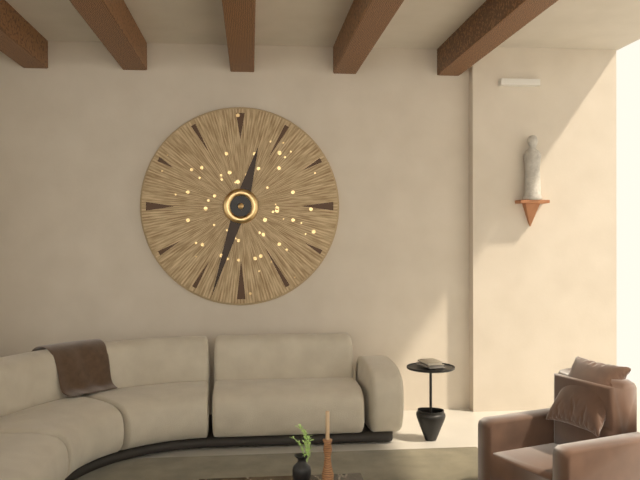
h=12 m=33
